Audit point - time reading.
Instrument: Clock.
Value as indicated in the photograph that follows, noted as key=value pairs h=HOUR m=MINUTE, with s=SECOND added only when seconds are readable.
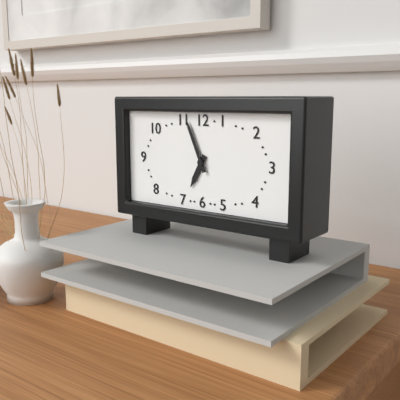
h=6 m=56
